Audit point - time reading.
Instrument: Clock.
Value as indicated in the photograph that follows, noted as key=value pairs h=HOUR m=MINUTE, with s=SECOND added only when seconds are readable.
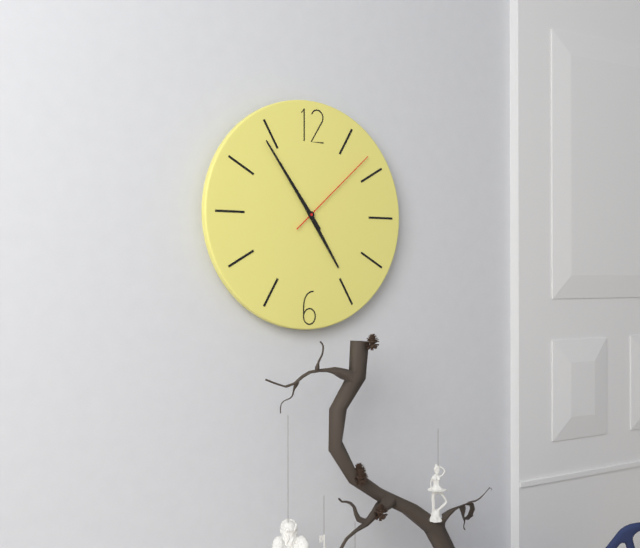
h=4 m=54 s=8
